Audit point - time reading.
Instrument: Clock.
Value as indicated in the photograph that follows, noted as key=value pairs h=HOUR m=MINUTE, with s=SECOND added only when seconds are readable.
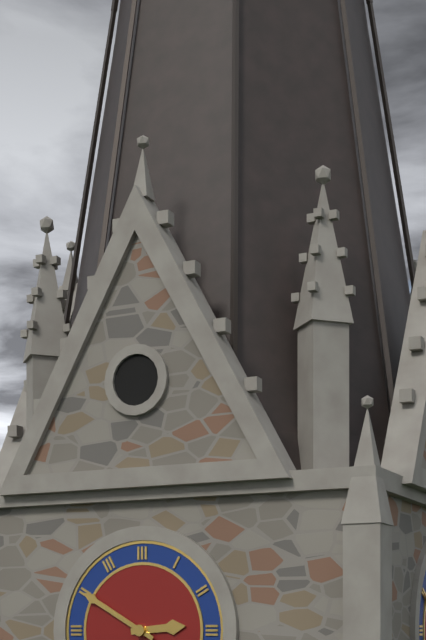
h=2 m=50
